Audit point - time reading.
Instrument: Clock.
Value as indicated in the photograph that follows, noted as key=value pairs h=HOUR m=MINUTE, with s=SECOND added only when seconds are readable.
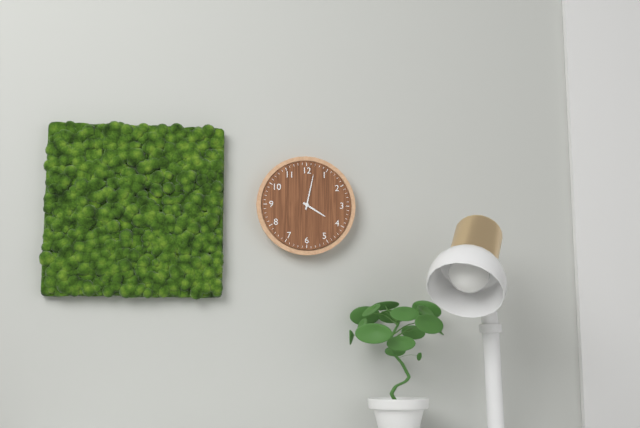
h=4 m=2
